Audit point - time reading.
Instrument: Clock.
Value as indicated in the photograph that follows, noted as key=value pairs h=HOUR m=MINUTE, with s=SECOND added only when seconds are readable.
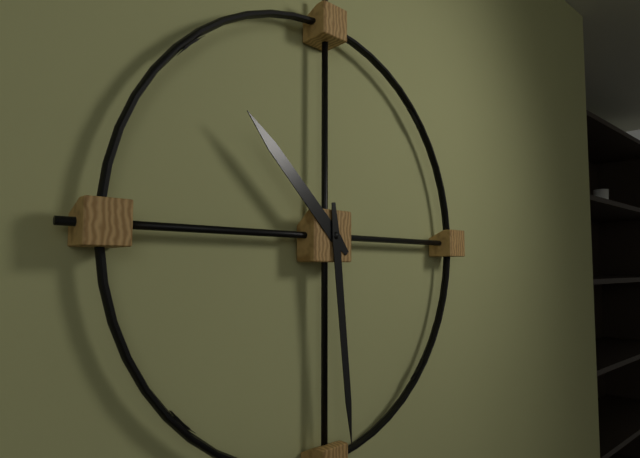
h=10 m=29
